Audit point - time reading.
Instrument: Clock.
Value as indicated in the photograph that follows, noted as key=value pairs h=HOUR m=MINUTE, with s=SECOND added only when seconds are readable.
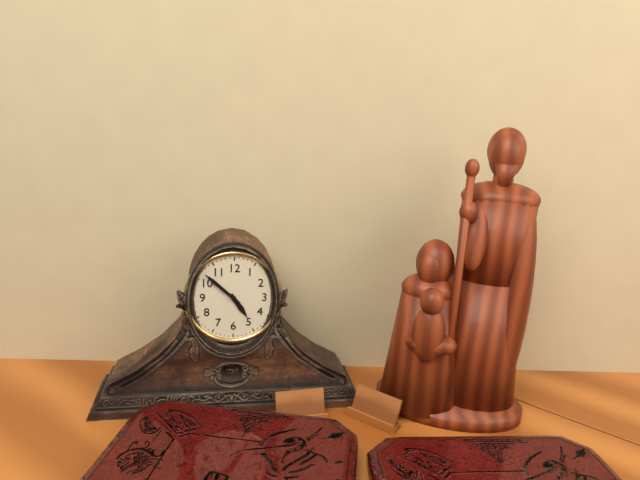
h=4 m=52
